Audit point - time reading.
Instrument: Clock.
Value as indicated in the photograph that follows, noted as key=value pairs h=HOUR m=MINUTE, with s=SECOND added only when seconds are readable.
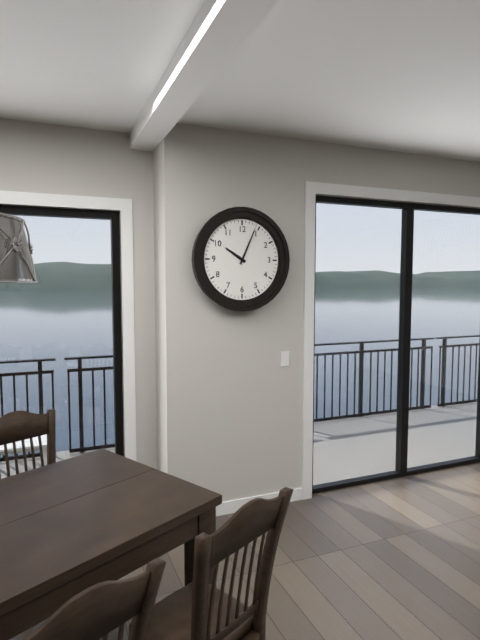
h=10 m=4
